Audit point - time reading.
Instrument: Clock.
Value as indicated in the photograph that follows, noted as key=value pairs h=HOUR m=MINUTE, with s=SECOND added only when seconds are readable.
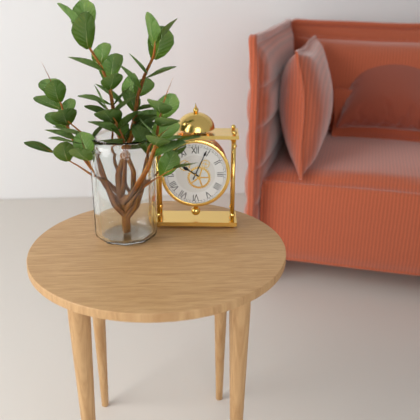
h=10 m=4
